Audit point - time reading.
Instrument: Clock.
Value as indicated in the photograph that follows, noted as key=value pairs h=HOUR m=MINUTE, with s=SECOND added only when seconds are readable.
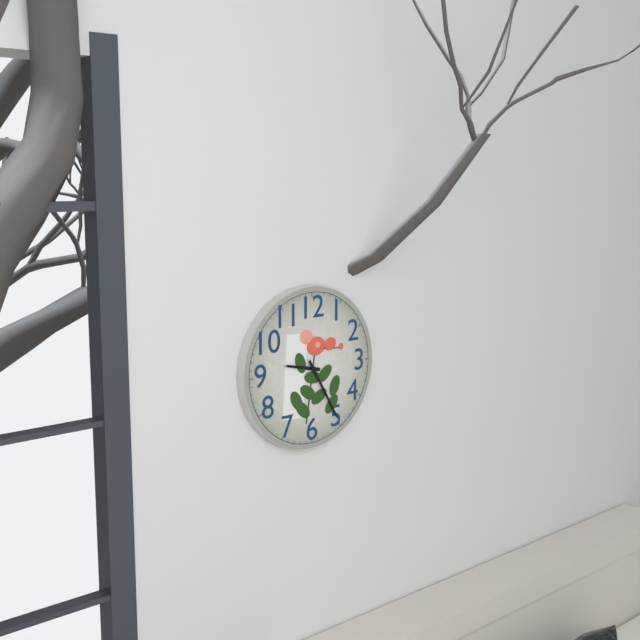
h=9 m=25
